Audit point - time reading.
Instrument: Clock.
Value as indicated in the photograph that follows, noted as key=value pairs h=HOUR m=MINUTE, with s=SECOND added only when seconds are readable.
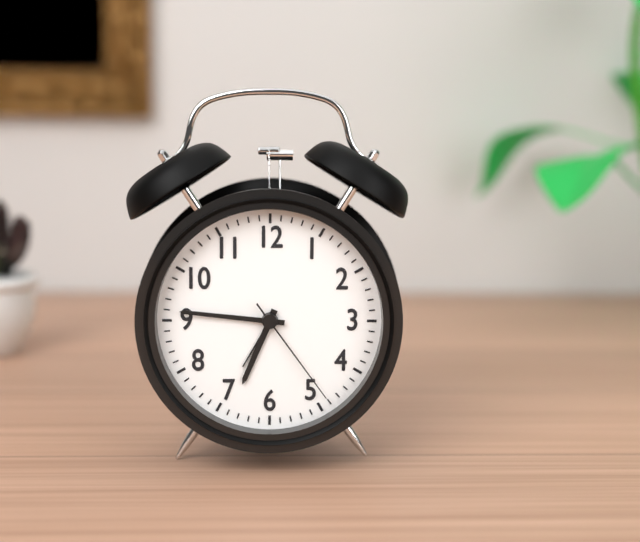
h=6 m=46 s=24
